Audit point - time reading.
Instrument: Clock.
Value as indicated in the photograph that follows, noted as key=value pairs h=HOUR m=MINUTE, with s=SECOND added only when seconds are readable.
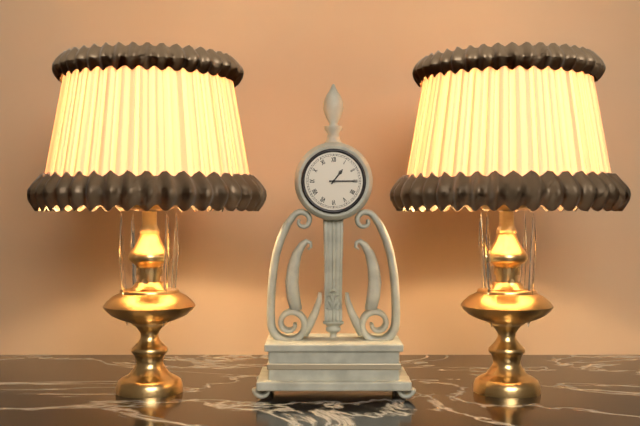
h=1 m=15
